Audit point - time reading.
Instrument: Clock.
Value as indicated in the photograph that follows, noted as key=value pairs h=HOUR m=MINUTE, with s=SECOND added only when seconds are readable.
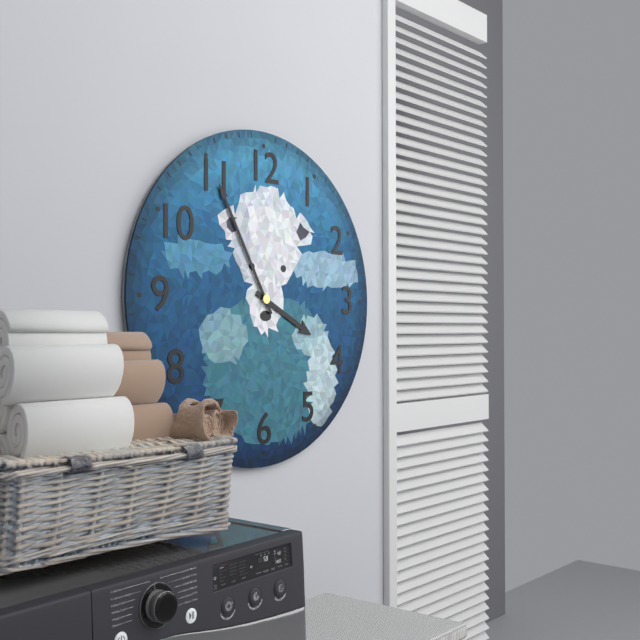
h=3 m=55
